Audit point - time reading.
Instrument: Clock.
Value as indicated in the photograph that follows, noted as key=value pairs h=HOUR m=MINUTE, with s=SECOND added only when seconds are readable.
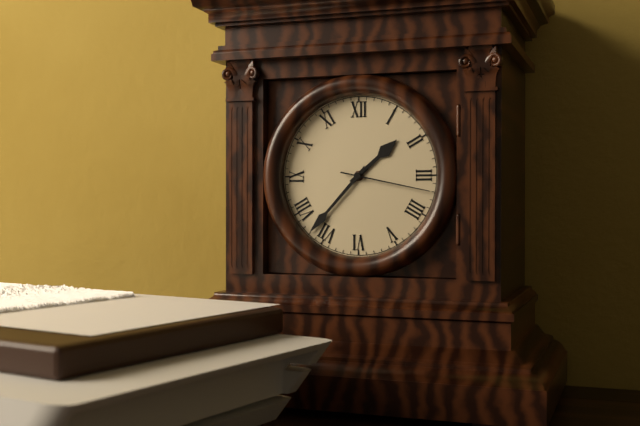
h=1 m=37 s=17
